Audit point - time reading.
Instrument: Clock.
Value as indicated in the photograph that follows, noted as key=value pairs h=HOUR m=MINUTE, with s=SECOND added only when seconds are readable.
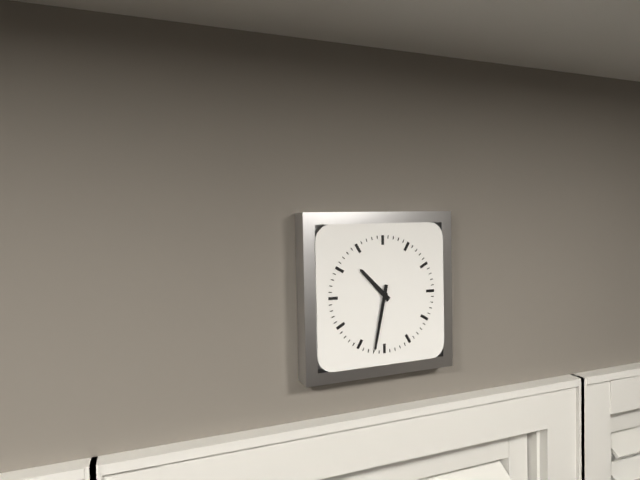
h=10 m=32
